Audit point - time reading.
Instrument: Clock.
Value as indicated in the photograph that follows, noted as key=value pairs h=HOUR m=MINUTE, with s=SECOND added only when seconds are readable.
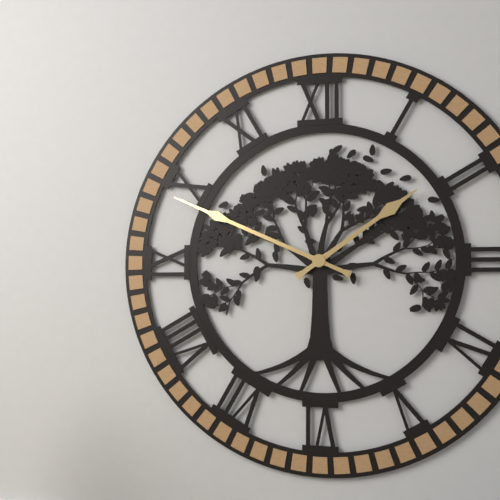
h=1 m=49
